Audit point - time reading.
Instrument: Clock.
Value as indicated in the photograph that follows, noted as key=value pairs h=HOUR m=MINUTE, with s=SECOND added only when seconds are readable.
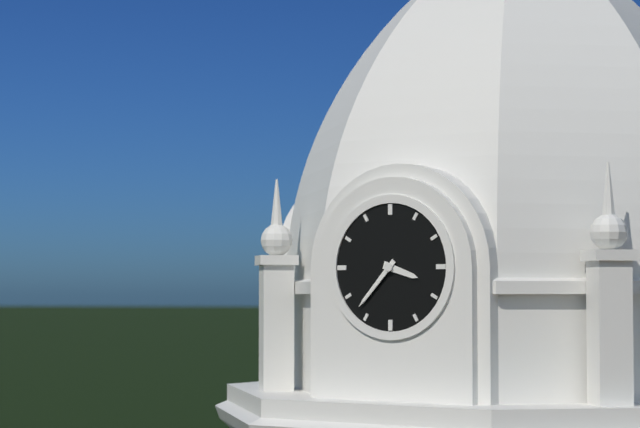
h=3 m=37
